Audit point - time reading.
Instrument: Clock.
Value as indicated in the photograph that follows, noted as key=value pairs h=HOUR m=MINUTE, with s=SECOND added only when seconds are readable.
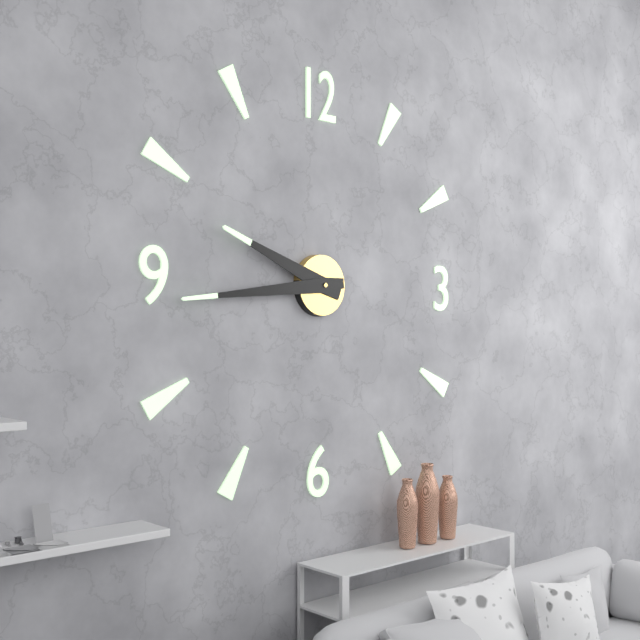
h=9 m=44
